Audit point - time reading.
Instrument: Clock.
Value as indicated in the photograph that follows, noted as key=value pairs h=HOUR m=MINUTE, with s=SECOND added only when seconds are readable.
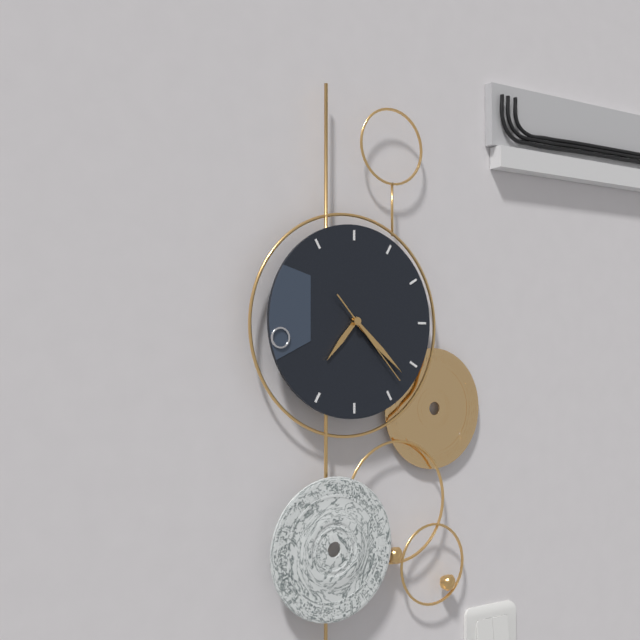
h=7 m=22 s=23
